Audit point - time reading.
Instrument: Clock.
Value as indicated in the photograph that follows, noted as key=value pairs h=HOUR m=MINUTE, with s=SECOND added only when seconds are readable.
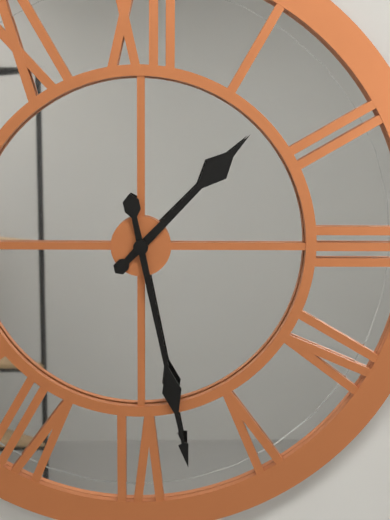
h=1 m=28
